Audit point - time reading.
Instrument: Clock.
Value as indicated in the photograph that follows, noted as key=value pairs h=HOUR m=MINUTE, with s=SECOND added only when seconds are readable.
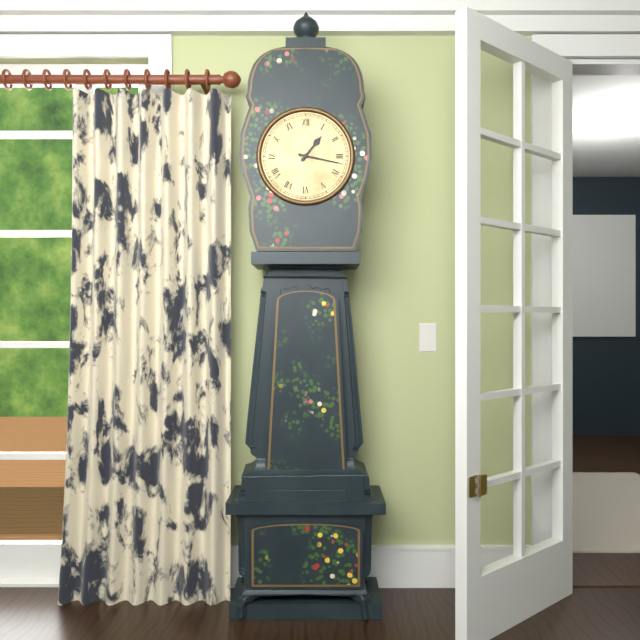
h=1 m=17
